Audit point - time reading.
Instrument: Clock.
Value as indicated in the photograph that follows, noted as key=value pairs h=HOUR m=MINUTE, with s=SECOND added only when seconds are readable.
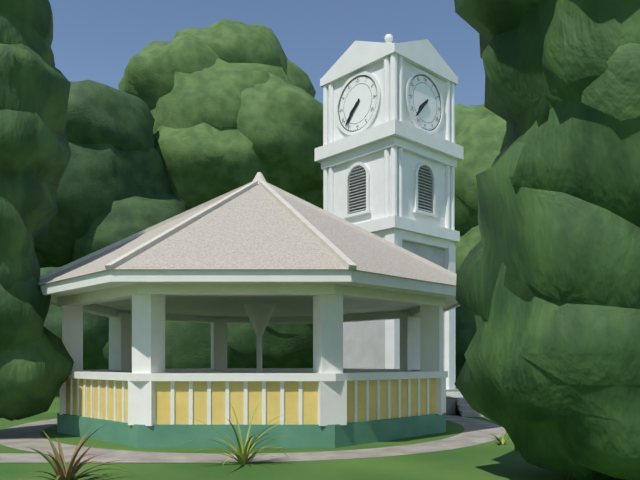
h=7 m=37
